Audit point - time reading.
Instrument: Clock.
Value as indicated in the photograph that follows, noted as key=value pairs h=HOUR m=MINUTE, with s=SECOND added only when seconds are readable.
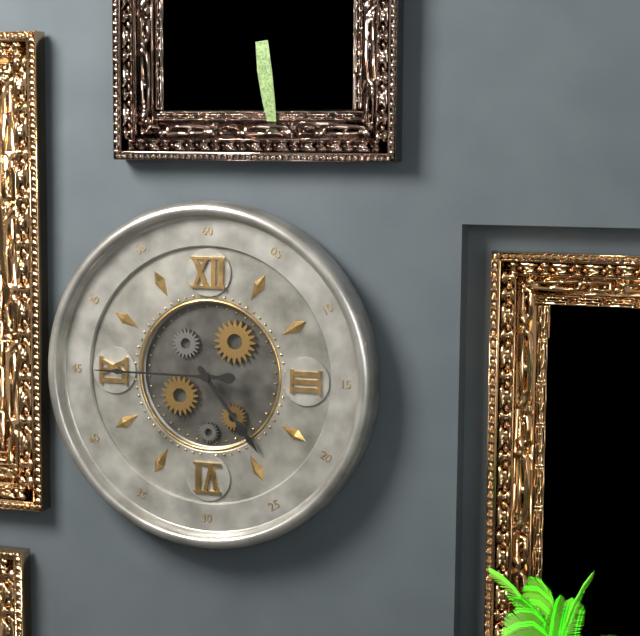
h=4 m=45
